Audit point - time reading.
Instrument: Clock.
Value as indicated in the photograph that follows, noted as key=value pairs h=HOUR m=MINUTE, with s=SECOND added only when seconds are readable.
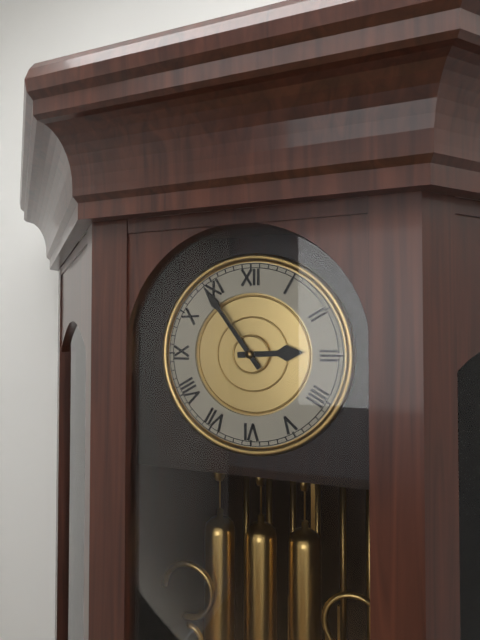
h=2 m=54
